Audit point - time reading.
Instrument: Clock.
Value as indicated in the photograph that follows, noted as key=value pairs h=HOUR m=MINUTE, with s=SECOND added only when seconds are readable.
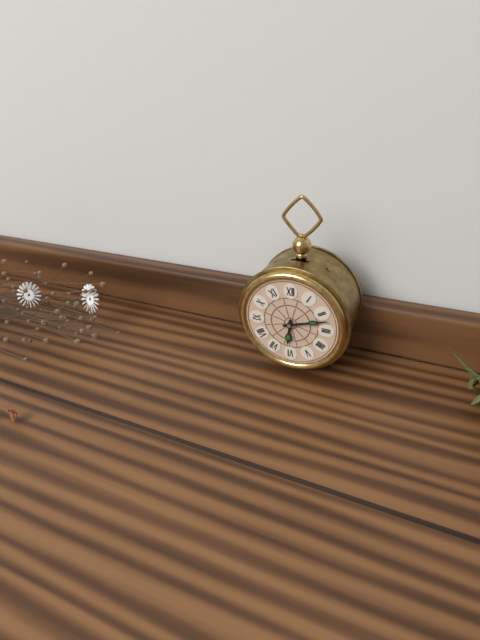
h=6 m=12
